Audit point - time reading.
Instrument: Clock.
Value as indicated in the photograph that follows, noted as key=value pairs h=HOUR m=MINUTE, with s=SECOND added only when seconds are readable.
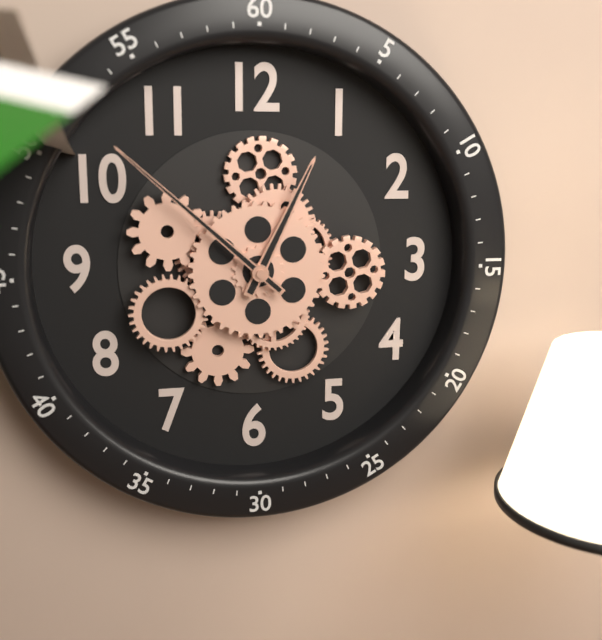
h=12 m=52
